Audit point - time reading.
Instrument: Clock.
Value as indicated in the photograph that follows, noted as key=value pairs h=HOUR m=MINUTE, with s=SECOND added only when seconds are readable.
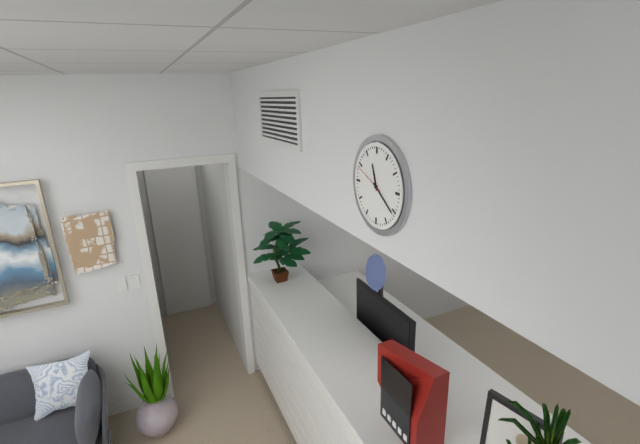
h=11 m=21
